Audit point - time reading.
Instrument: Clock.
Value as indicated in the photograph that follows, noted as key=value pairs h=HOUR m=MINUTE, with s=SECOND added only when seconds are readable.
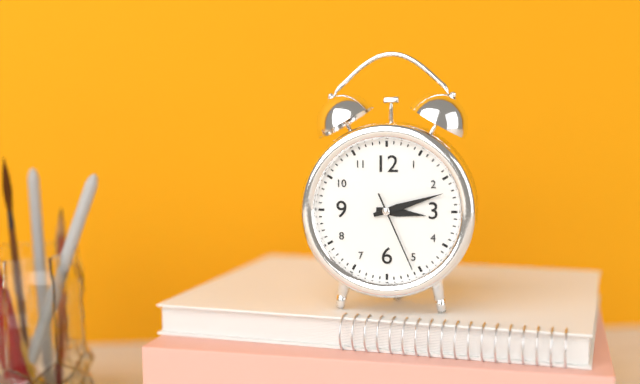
h=3 m=12 s=26
